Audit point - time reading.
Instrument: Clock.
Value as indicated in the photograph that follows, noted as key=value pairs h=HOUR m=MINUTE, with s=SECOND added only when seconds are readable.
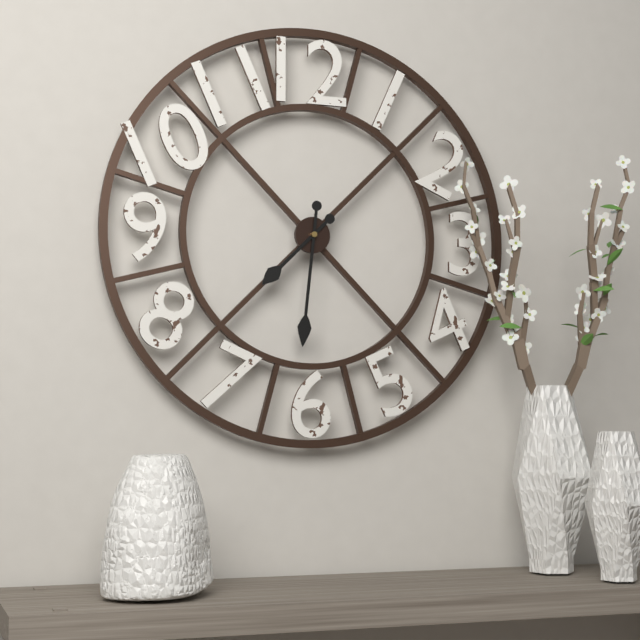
h=7 m=31
